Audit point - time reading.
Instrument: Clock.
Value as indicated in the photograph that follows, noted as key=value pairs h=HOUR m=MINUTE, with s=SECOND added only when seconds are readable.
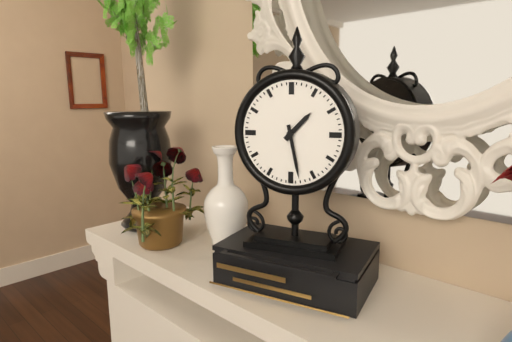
h=1 m=28
